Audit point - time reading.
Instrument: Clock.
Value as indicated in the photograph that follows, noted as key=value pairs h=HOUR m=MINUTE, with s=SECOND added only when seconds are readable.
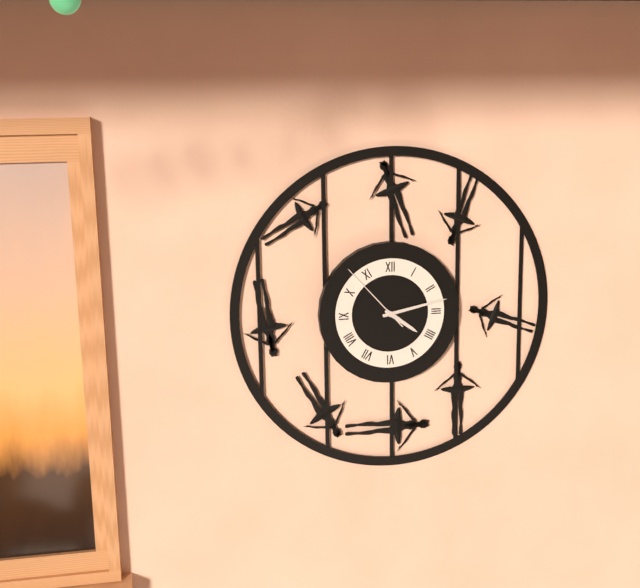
h=4 m=13 s=53
